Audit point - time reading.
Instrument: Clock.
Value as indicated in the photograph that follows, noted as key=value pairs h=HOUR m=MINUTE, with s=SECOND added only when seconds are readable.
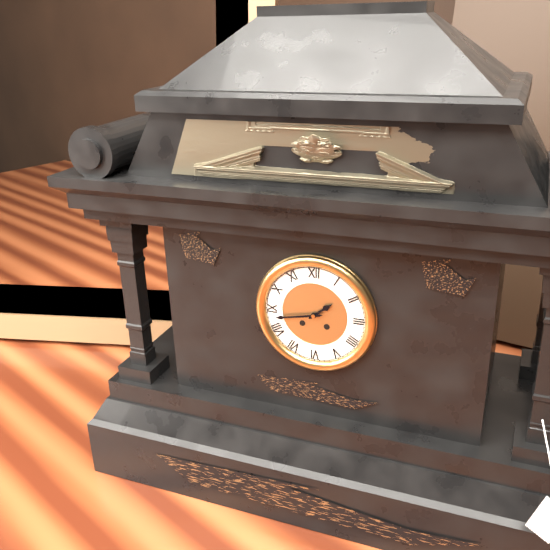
h=1 m=43
